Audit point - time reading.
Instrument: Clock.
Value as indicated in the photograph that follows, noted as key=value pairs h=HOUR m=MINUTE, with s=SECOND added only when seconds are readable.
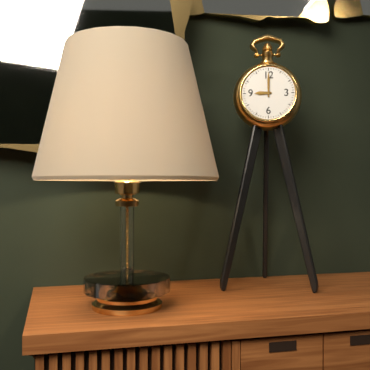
h=9 m=0
